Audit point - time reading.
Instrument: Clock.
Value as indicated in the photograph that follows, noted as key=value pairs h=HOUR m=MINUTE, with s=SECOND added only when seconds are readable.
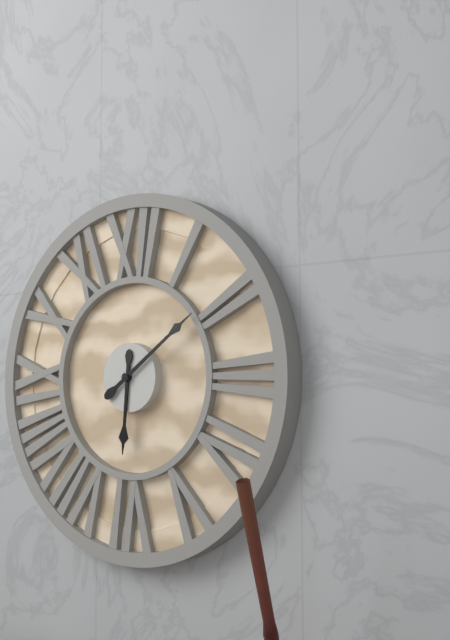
h=6 m=9
